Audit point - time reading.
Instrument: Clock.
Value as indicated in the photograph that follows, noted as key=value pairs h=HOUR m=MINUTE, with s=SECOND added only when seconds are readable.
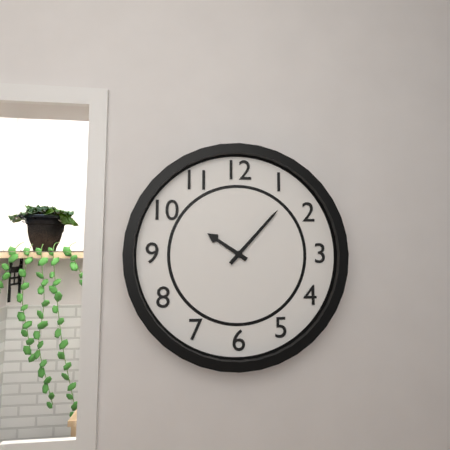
h=10 m=7
